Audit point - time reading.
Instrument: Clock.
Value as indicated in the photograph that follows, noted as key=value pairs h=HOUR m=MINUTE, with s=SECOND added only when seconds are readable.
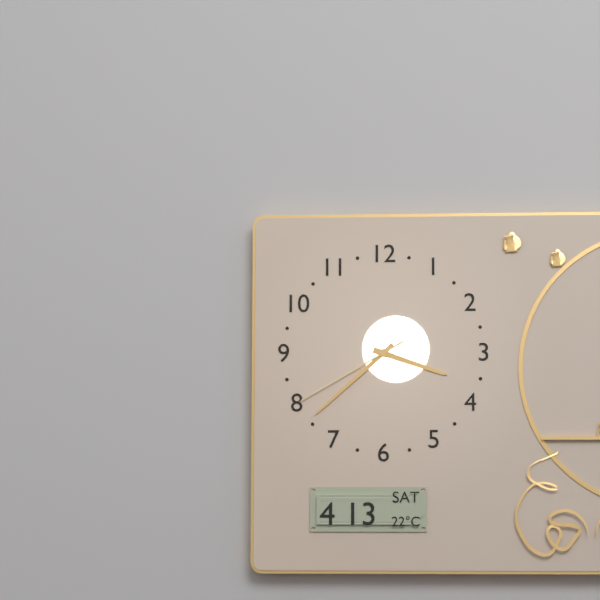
h=3 m=38 s=40
